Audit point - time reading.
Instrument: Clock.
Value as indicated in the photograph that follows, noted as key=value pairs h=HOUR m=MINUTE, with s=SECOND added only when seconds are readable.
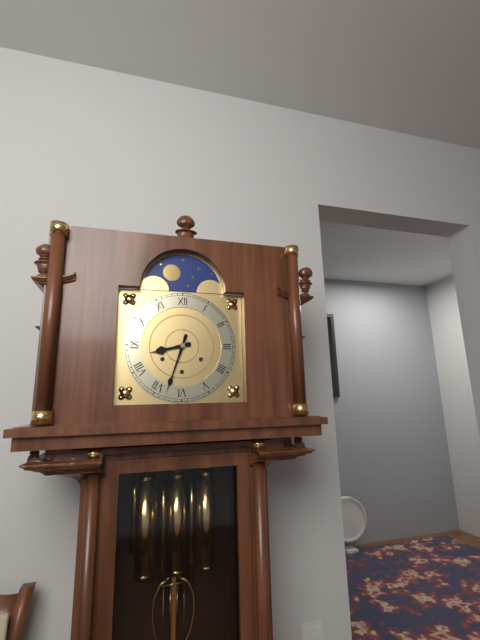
h=8 m=33
